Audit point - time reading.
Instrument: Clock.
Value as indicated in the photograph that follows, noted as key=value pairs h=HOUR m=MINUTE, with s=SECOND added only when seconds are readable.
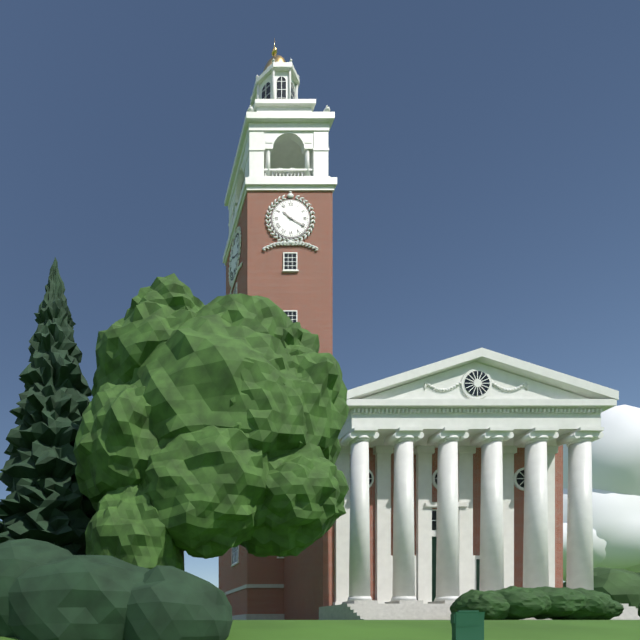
h=10 m=20
